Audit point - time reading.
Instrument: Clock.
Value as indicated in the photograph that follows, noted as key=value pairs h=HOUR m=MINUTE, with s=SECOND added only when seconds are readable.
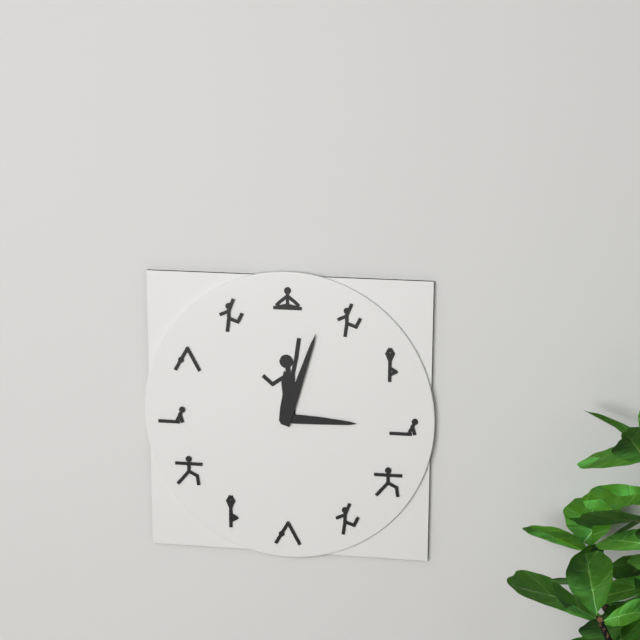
h=3 m=3
